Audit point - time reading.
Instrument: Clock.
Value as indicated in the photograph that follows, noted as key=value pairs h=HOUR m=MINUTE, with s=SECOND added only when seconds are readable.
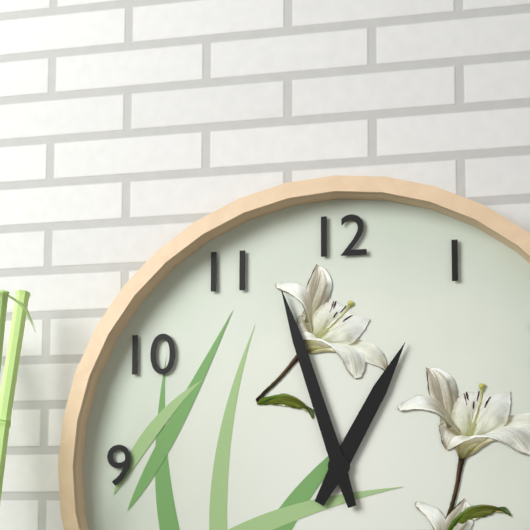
h=12 m=57
